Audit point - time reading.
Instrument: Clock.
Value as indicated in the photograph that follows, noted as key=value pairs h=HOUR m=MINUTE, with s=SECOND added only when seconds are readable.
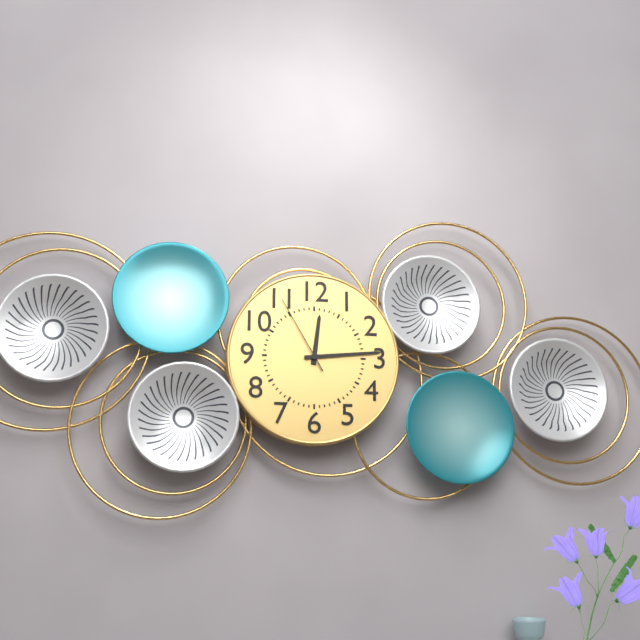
h=12 m=14 s=55
